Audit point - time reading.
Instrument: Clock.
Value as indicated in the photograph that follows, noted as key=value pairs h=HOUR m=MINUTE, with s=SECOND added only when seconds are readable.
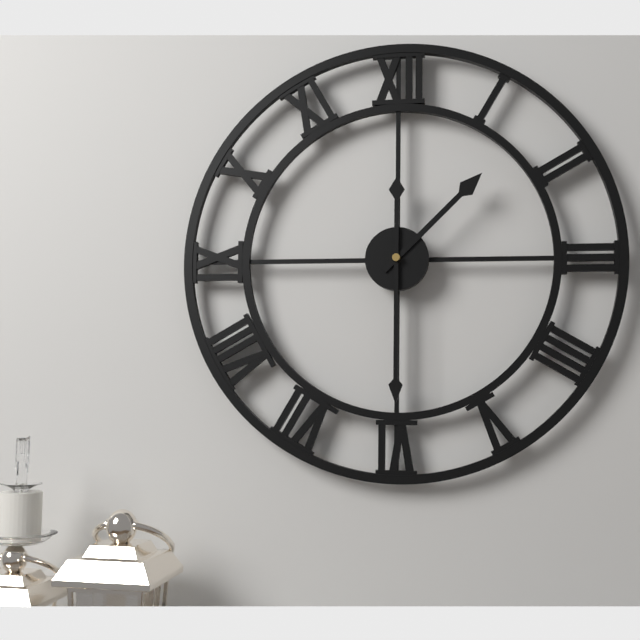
h=1 m=30
